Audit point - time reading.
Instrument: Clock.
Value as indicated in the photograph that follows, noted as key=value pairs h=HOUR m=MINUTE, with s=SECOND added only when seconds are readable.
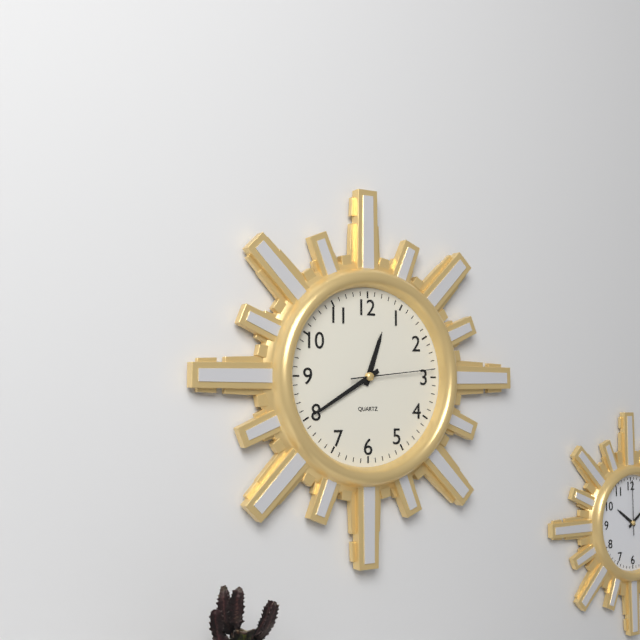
h=12 m=40 s=14
